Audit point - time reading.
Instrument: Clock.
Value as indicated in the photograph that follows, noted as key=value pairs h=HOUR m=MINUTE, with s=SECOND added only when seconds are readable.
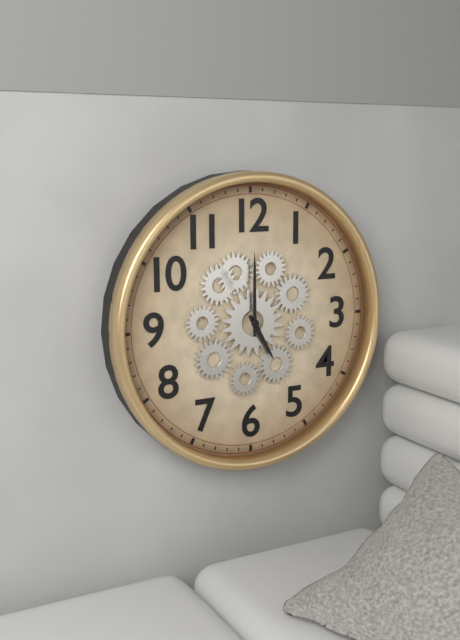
h=5 m=0
